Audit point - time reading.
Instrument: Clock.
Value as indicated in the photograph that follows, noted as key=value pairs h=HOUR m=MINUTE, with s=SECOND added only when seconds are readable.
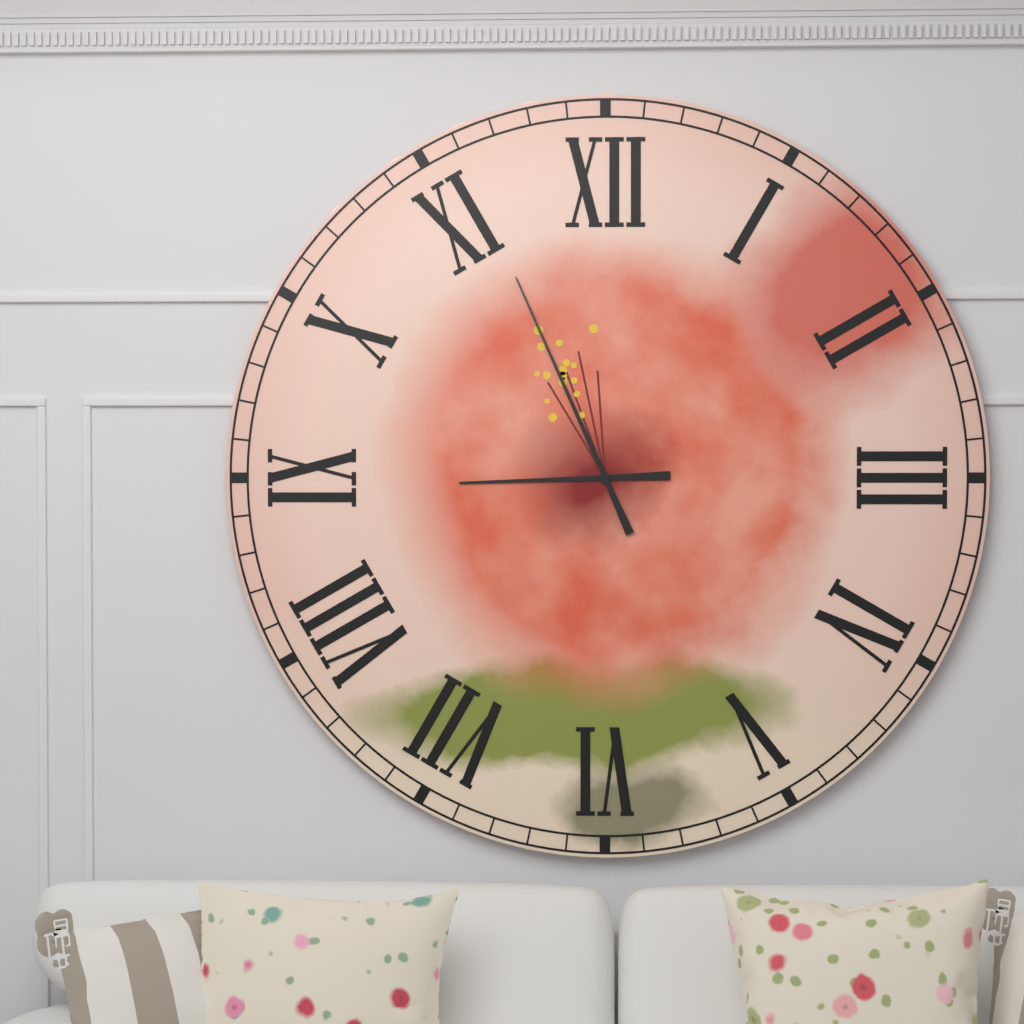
h=8 m=56
